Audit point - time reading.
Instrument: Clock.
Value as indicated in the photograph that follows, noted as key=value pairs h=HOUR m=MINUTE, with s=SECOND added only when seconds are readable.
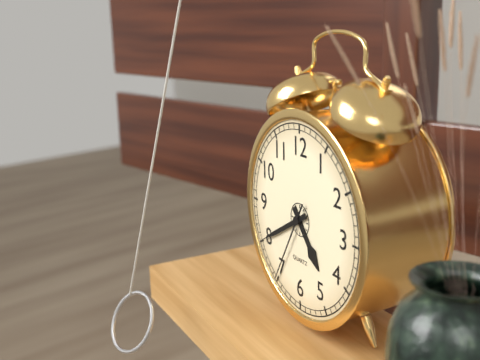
h=4 m=40 s=35
